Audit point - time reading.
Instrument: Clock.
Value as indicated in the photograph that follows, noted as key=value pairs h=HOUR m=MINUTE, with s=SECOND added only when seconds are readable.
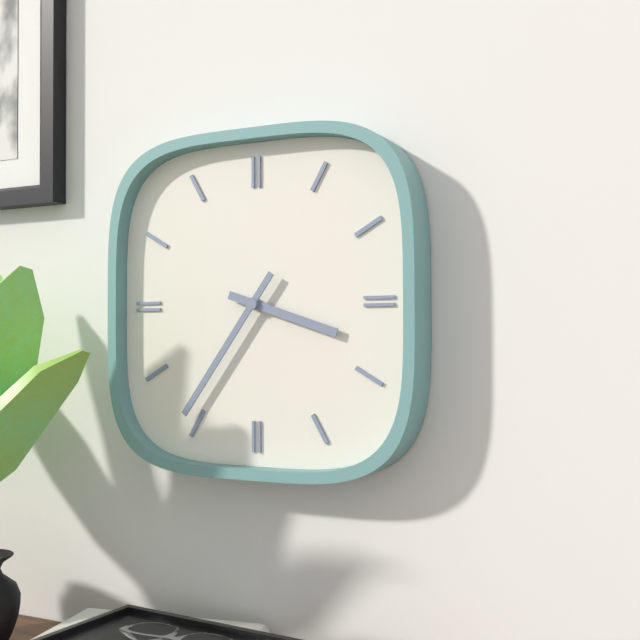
h=3 m=36
